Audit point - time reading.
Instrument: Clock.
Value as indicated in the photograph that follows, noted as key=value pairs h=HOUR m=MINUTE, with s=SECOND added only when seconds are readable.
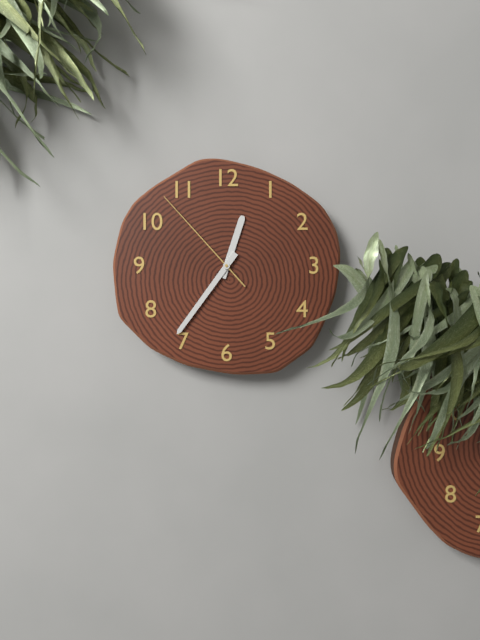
h=12 m=36 s=53
